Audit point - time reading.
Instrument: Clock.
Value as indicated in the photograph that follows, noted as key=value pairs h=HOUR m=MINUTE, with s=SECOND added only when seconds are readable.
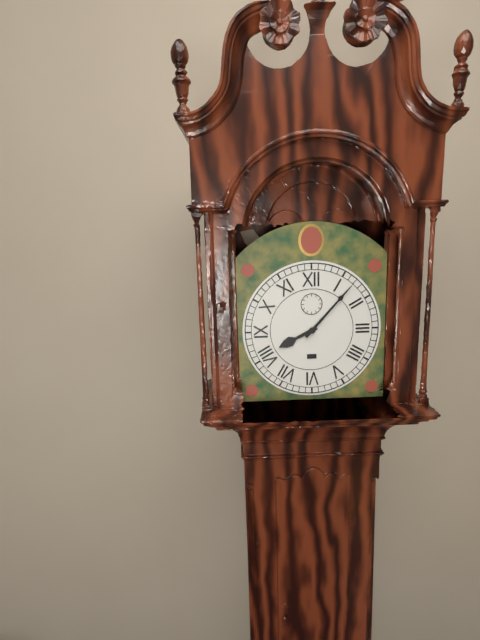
h=8 m=7
